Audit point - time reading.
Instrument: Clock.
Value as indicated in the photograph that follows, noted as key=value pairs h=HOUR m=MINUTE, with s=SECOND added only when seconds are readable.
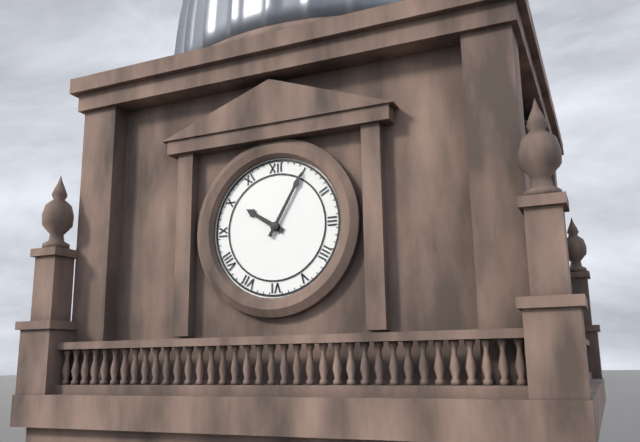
h=10 m=5
